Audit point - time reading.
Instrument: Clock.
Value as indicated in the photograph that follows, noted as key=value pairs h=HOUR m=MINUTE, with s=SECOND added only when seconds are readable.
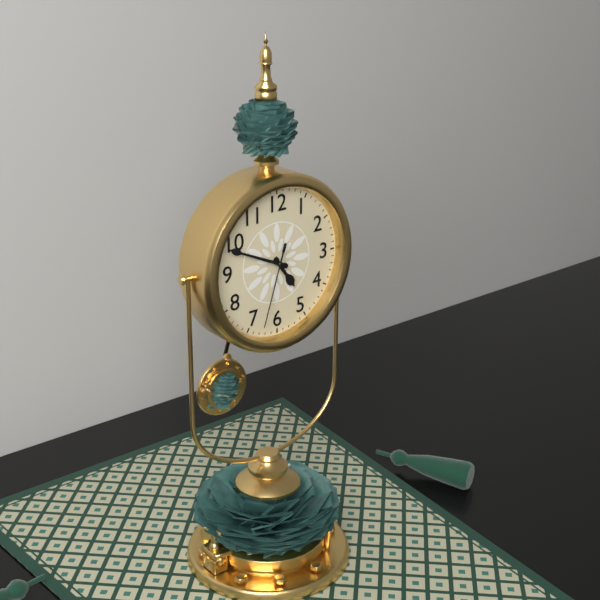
h=4 m=49 s=33
